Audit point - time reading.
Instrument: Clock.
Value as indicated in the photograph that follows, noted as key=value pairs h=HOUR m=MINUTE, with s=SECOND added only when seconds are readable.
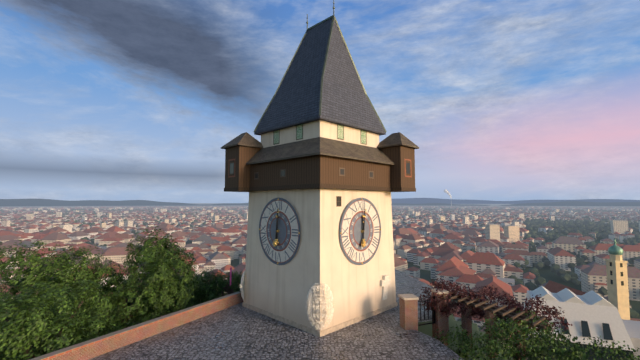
h=12 m=1
